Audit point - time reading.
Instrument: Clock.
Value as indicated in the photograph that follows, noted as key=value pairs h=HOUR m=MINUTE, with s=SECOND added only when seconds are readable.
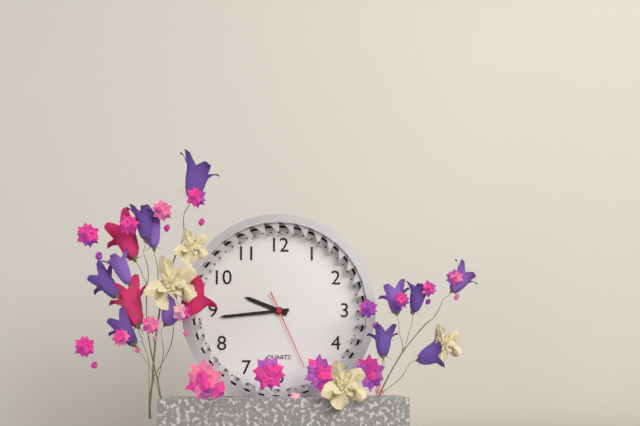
h=9 m=44 s=26
